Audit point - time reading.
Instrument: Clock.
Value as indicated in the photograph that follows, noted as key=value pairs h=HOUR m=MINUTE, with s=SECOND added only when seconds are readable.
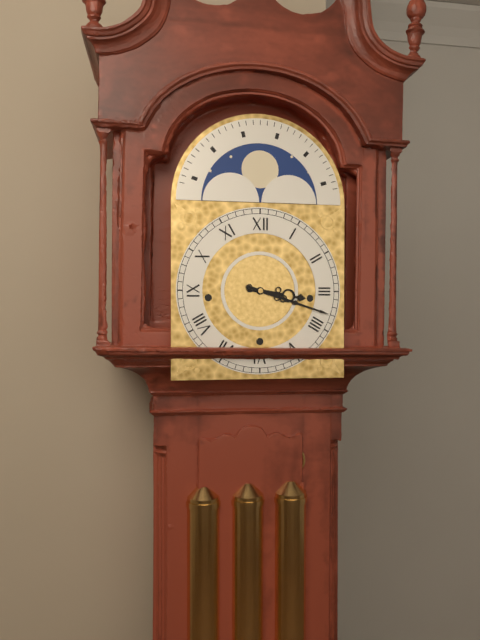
h=3 m=18
